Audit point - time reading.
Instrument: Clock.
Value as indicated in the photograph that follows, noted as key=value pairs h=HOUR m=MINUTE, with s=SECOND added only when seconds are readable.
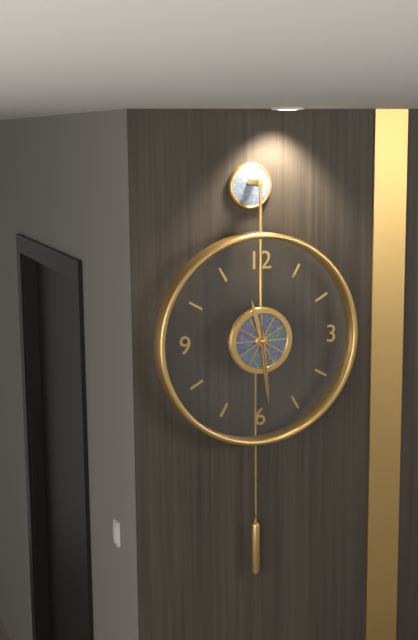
h=11 m=29 s=29
